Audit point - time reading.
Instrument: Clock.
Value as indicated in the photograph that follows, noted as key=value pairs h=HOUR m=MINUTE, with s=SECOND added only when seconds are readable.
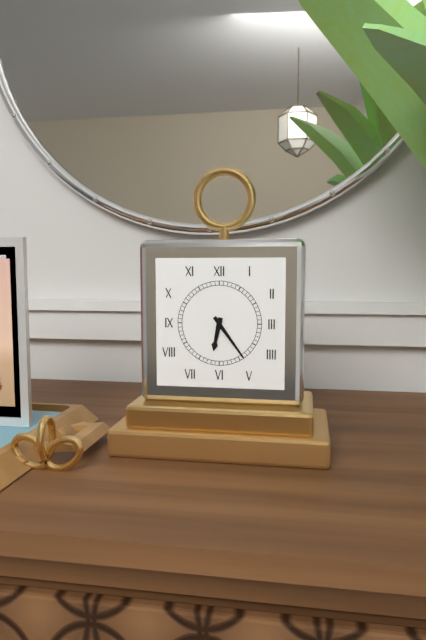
h=6 m=24
